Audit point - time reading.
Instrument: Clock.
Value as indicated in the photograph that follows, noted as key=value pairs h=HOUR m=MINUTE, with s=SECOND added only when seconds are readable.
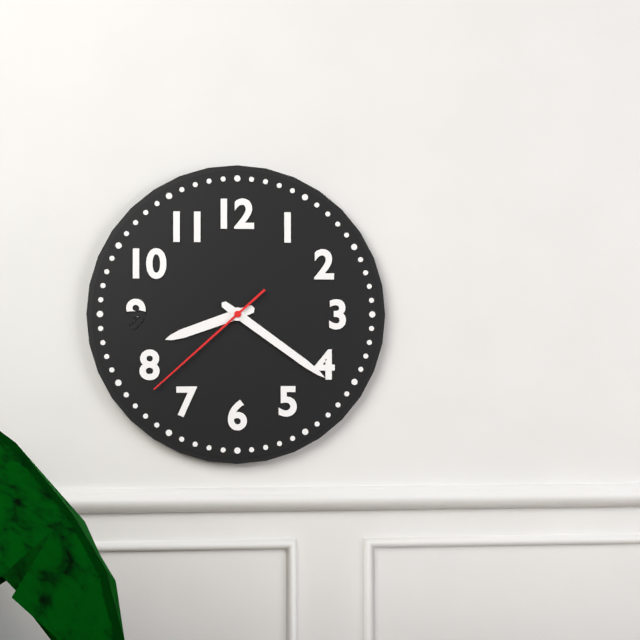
h=8 m=21 s=38
